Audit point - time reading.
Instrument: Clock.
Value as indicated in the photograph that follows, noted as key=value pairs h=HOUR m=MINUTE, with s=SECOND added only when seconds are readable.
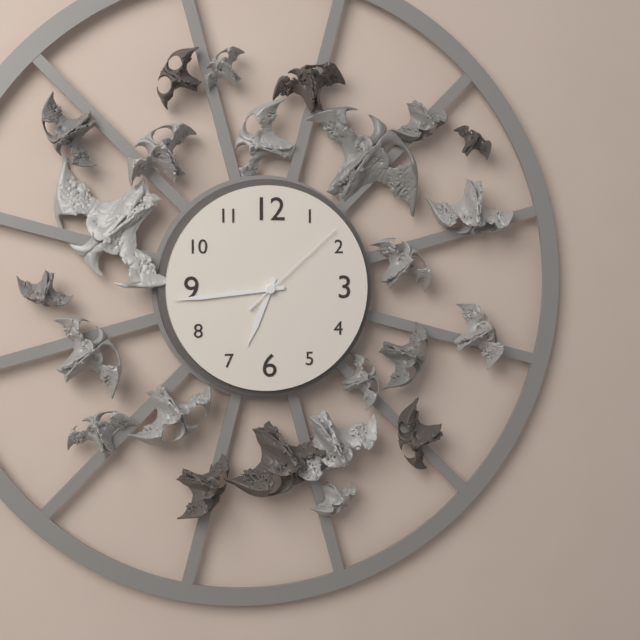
h=6 m=44 s=8
